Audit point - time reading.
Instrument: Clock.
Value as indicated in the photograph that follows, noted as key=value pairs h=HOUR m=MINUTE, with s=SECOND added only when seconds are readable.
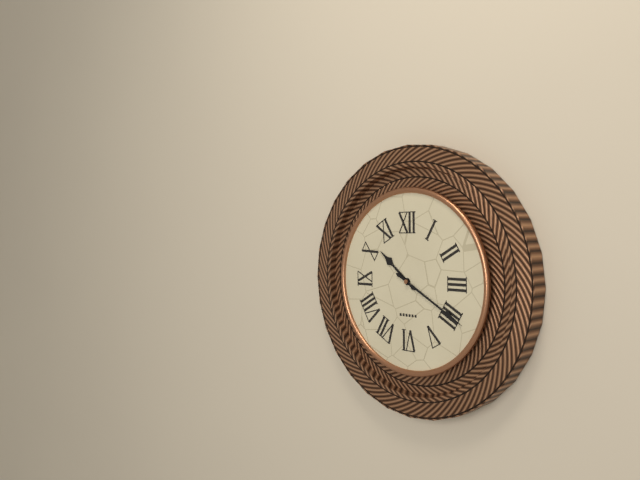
h=10 m=20
